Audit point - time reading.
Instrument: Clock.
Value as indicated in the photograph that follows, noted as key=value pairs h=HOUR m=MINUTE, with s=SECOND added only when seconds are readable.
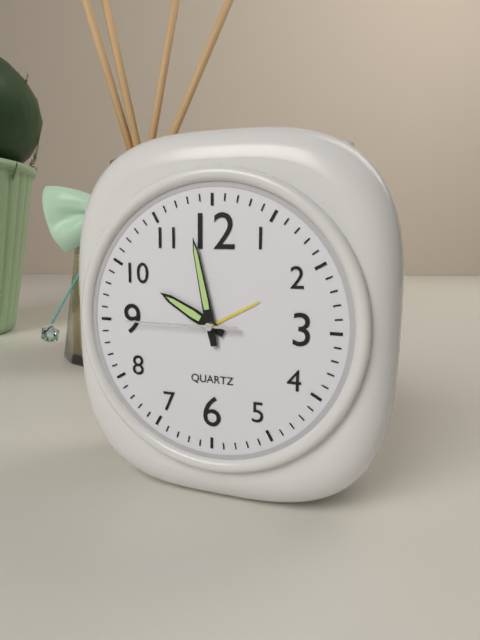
h=9 m=58 s=45
